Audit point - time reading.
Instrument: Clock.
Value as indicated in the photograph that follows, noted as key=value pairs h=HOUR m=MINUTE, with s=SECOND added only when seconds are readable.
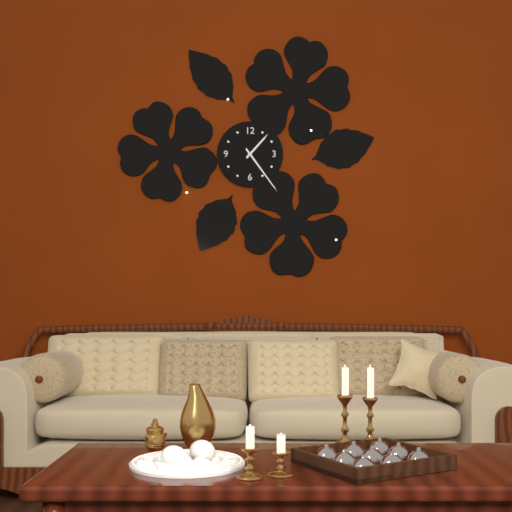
h=1 m=24
